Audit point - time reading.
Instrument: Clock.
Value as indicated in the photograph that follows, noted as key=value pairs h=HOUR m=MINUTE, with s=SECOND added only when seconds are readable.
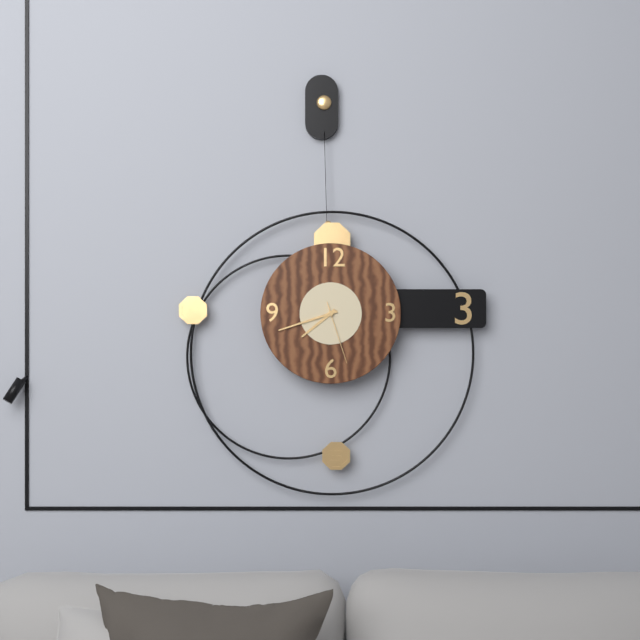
h=7 m=42 s=27
